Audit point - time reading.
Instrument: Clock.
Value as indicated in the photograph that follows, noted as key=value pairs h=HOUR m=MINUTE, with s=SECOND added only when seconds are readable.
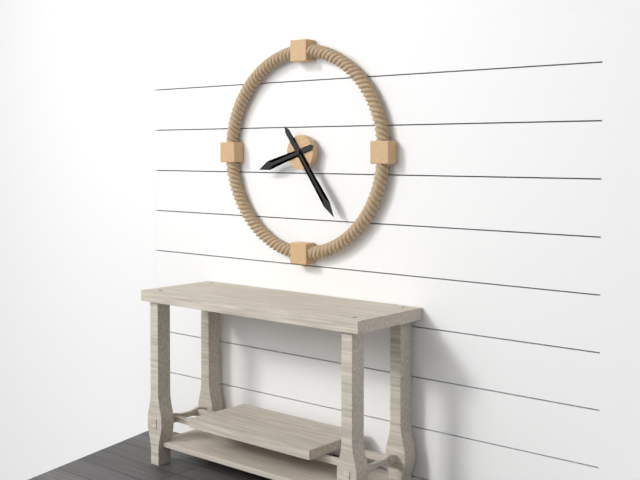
h=8 m=24
